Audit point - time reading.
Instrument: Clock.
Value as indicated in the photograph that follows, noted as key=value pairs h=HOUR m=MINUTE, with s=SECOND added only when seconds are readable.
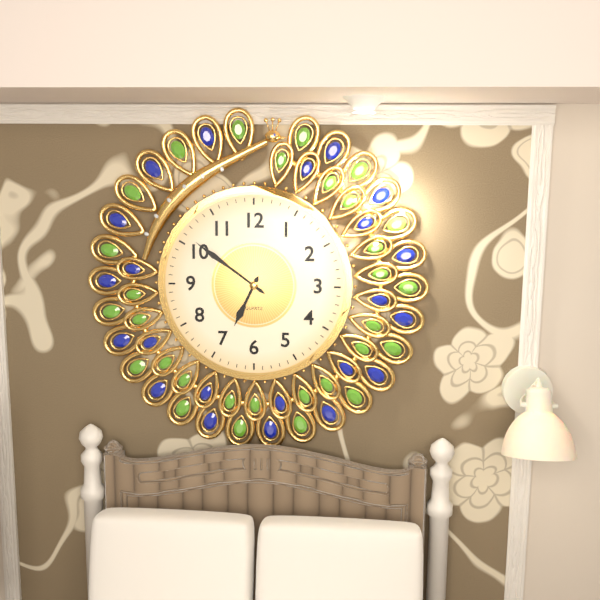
h=6 m=51
